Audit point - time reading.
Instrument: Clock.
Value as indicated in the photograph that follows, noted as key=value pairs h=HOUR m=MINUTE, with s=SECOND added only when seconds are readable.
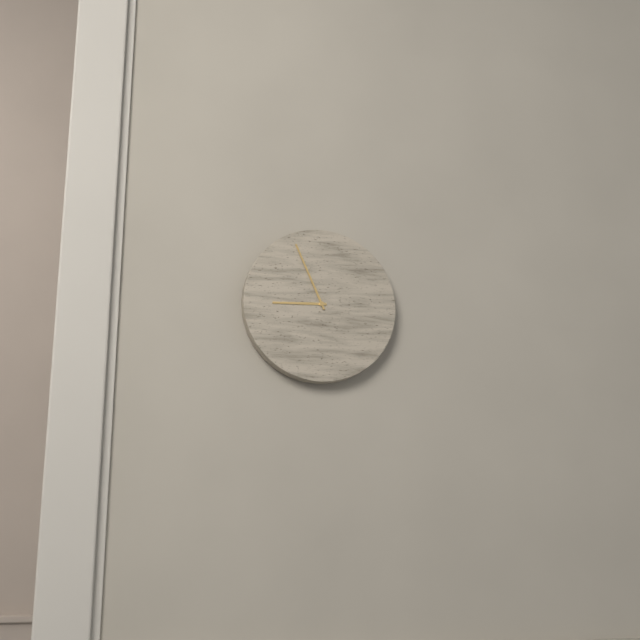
h=8 m=56
